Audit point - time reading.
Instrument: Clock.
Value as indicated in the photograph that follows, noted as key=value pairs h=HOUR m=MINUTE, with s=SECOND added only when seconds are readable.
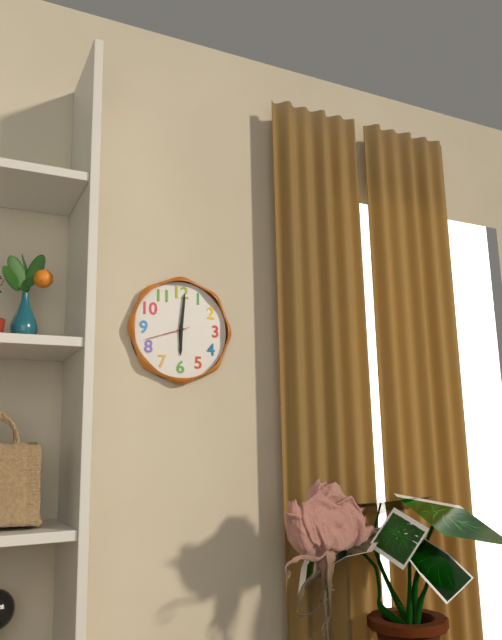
h=6 m=1 s=42
